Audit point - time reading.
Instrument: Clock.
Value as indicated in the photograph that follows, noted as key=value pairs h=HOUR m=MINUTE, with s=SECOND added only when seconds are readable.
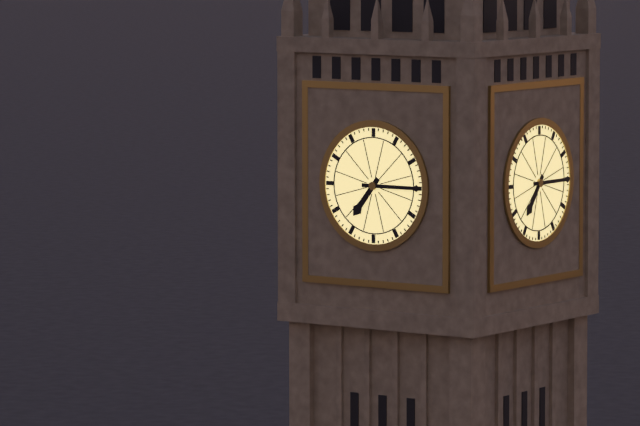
h=7 m=15
